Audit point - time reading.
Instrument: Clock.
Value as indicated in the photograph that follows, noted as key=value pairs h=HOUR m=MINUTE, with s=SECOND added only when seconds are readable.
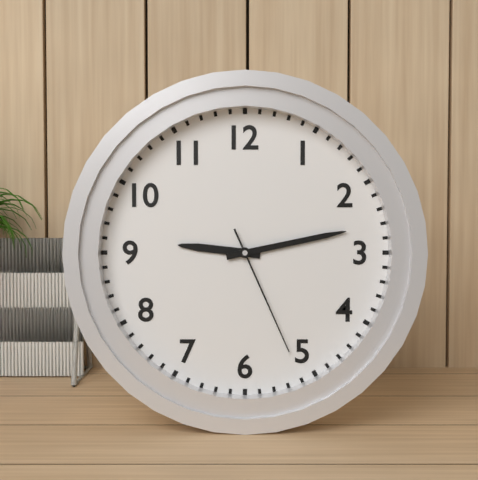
h=9 m=13 s=26
